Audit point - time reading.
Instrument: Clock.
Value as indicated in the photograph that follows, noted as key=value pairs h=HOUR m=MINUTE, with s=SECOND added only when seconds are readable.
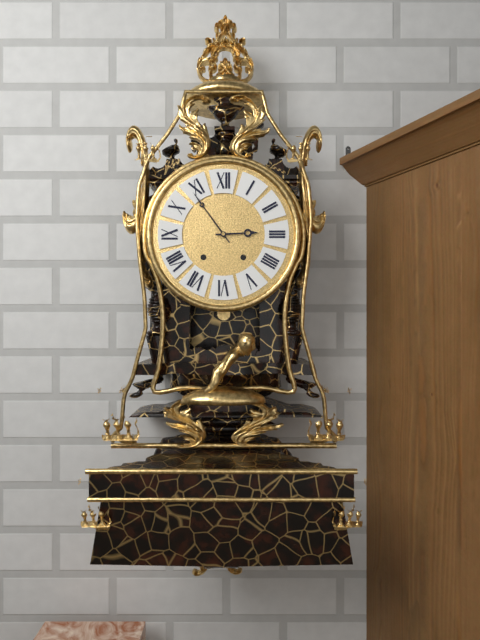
h=2 m=54
